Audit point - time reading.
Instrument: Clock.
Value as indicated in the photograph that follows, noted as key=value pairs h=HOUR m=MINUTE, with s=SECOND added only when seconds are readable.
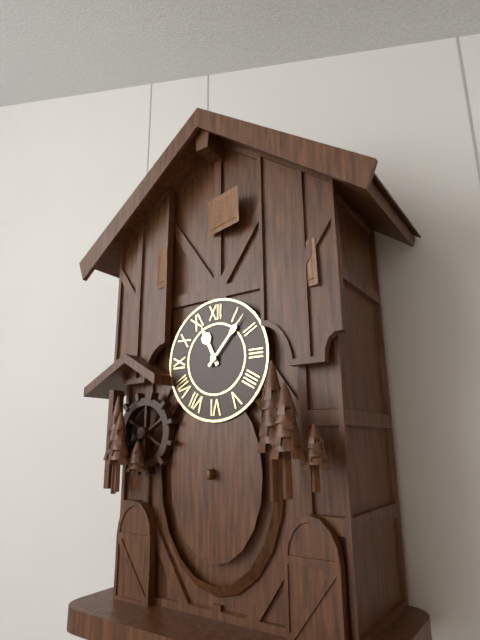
h=11 m=7
